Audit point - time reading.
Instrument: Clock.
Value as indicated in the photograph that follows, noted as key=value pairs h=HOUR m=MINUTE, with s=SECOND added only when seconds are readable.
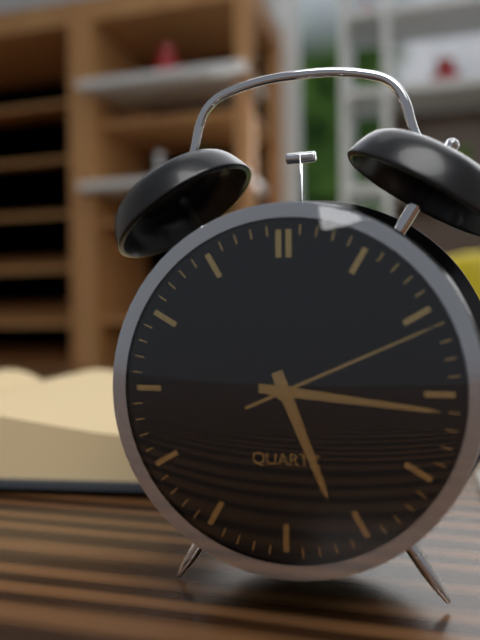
h=5 m=16 s=11
